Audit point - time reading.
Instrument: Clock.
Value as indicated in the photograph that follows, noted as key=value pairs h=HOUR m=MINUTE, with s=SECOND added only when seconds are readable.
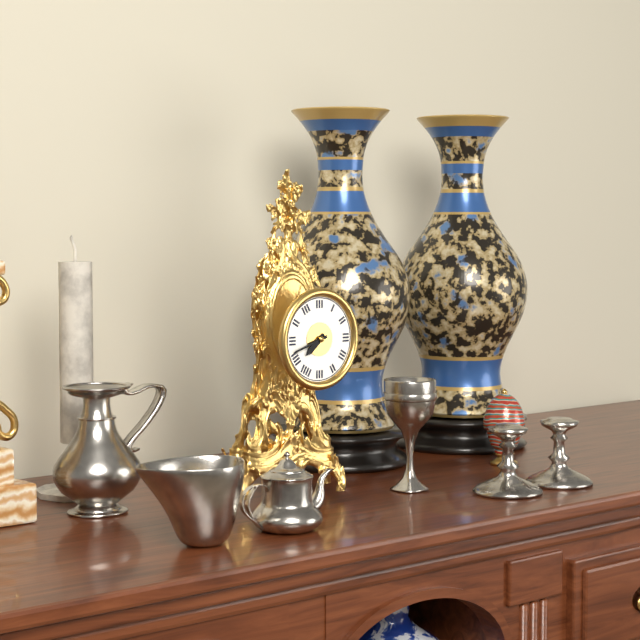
h=7 m=42
